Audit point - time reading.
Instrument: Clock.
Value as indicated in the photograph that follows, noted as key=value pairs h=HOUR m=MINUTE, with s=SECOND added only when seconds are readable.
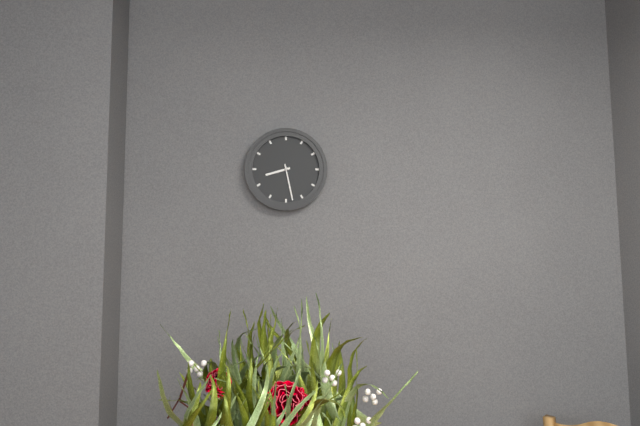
h=8 m=28
